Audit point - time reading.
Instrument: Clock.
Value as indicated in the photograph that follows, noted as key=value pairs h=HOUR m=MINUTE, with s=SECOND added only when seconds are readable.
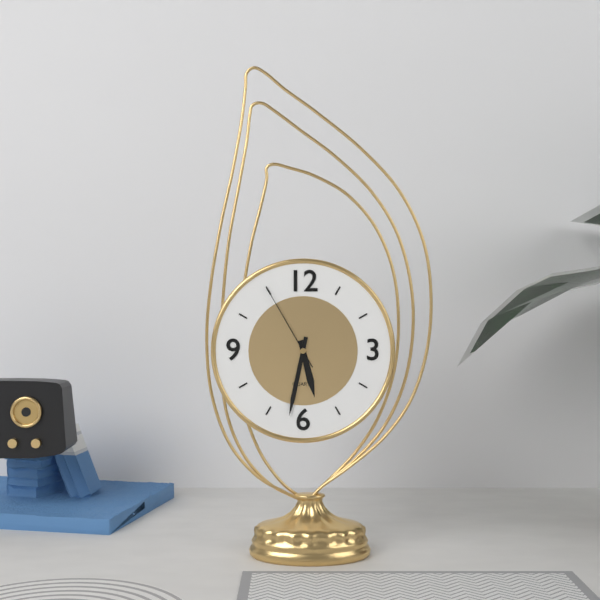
h=5 m=32 s=55
